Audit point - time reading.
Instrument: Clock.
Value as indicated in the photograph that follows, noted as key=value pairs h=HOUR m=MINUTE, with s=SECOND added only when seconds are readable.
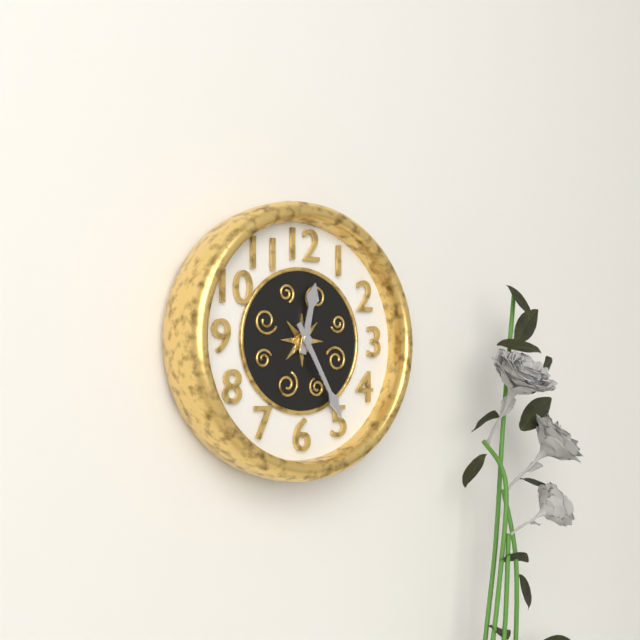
h=12 m=25
